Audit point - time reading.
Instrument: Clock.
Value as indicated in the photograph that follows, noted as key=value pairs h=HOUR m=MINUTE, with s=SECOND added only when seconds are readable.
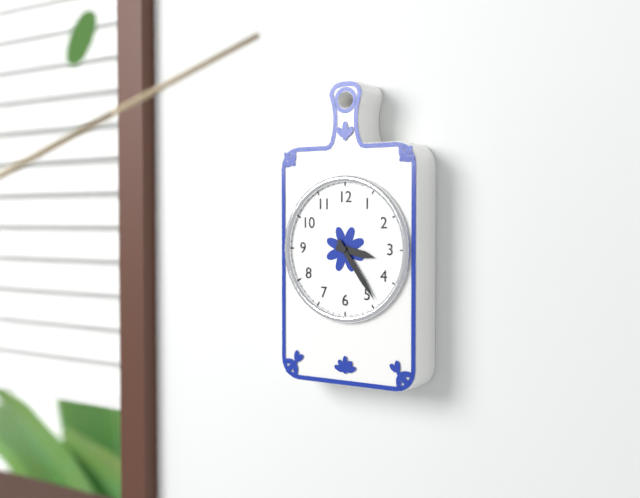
h=3 m=24
